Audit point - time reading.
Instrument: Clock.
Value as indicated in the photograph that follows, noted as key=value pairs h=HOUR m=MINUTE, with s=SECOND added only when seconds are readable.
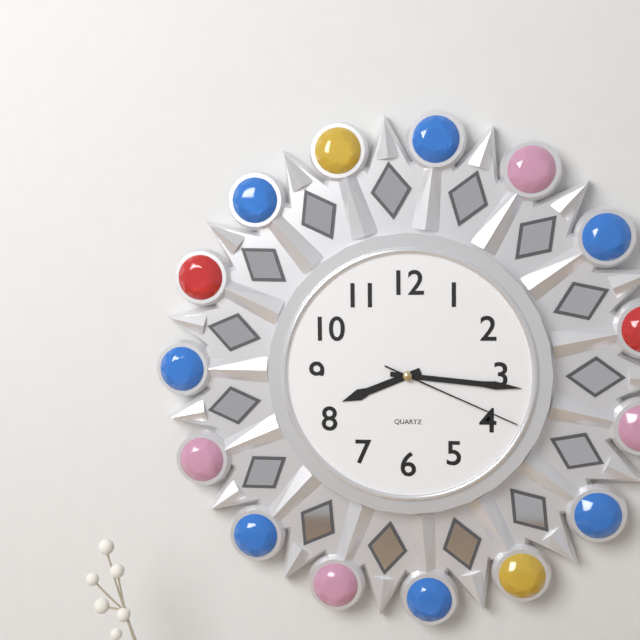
h=8 m=16 s=19
